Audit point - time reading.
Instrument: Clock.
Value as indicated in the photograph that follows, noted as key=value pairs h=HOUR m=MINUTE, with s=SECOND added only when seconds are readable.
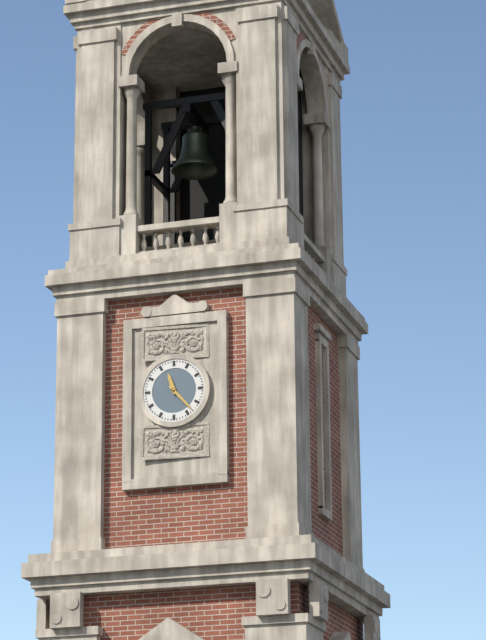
h=11 m=23
